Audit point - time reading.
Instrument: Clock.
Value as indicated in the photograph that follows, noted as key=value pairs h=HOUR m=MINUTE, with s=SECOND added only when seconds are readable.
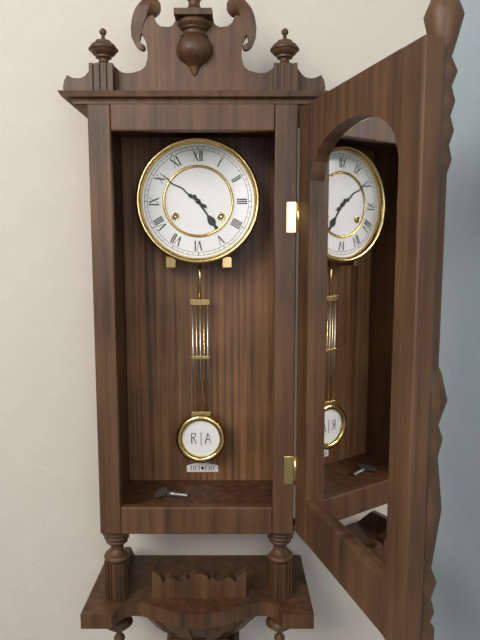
h=4 m=51
